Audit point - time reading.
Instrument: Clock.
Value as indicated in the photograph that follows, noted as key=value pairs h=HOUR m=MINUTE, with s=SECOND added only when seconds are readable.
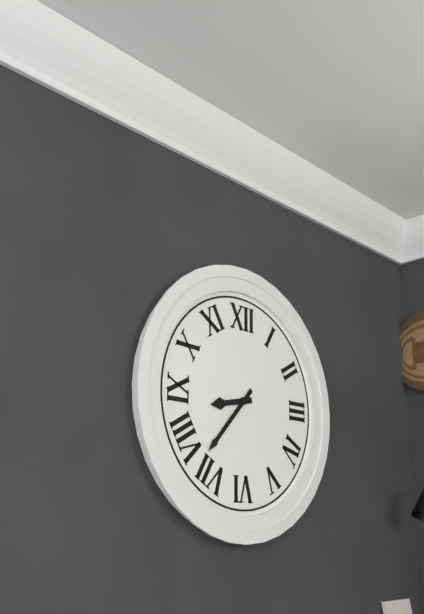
h=8 m=37
